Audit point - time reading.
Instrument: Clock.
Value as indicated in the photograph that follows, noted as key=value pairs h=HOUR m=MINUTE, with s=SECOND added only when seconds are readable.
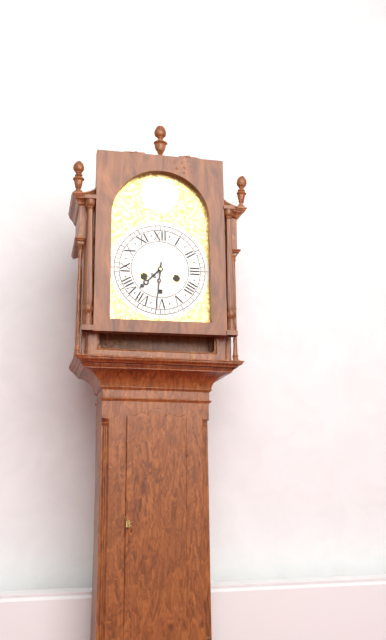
h=7 m=31
